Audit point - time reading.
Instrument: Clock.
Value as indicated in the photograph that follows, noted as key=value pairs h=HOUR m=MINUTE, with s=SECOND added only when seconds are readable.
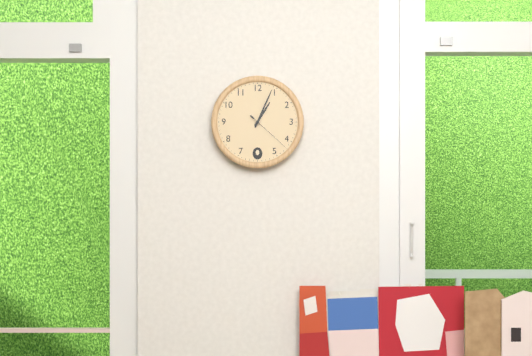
h=1 m=4
